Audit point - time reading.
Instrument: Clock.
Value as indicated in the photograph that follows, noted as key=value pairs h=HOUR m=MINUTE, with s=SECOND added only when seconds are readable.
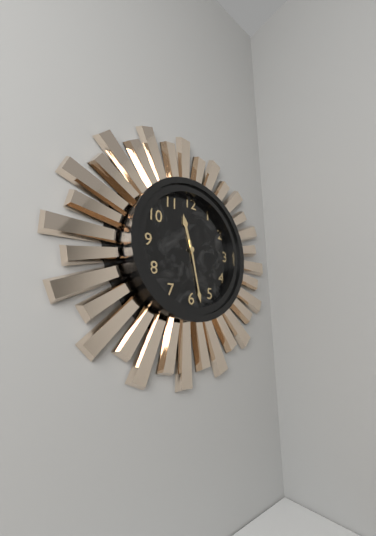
h=11 m=28
